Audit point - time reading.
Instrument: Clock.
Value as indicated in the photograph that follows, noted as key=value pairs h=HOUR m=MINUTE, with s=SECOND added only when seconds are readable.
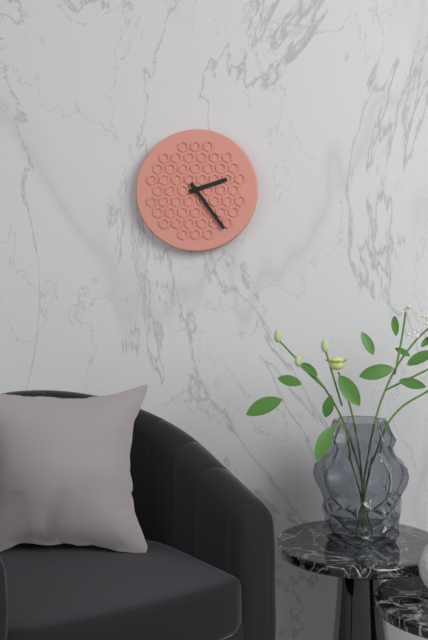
h=2 m=24
